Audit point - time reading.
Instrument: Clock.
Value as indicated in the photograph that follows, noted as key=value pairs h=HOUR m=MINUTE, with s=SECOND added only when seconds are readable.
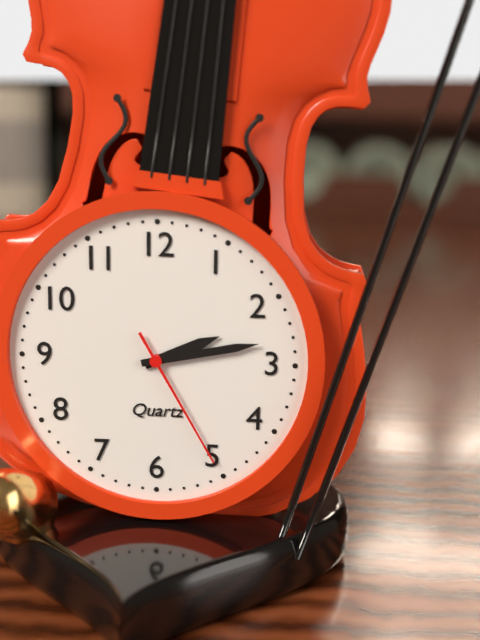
h=2 m=13 s=25
